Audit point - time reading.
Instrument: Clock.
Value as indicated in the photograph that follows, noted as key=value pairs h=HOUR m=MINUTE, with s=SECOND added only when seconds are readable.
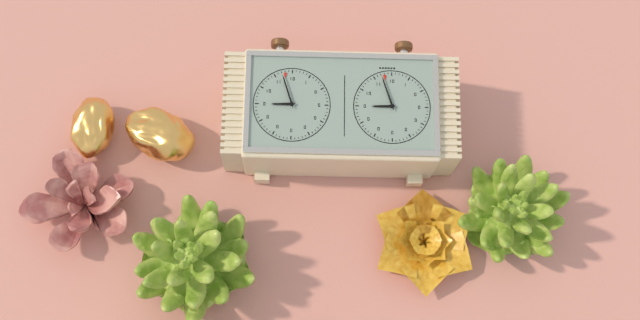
h=8 m=57
